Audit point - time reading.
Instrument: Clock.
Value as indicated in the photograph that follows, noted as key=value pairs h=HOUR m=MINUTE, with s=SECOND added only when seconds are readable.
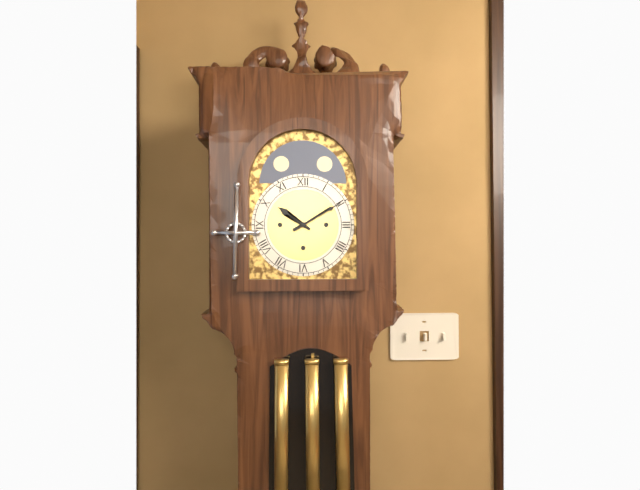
h=10 m=10
